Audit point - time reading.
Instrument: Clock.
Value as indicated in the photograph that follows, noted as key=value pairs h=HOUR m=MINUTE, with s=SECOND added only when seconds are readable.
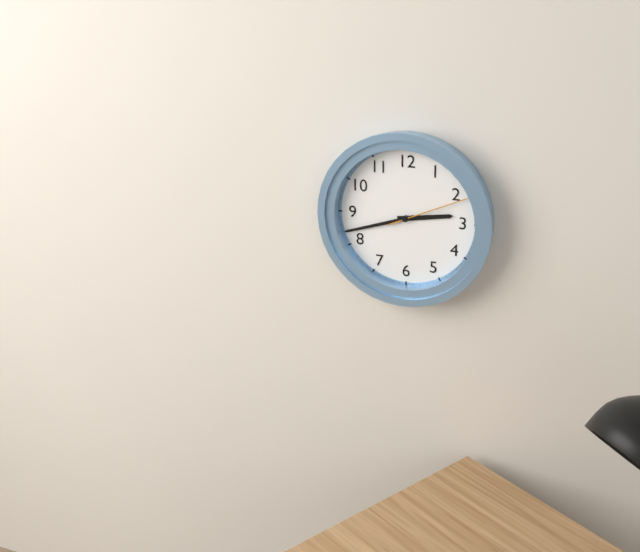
h=2 m=42 s=11
